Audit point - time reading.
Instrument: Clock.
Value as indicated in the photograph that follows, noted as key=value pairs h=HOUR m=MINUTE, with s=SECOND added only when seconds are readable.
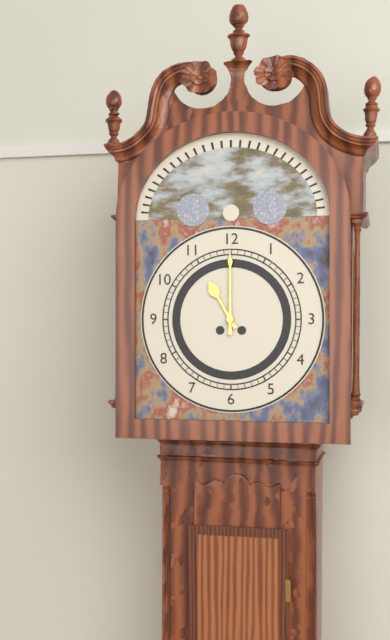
h=11 m=0
